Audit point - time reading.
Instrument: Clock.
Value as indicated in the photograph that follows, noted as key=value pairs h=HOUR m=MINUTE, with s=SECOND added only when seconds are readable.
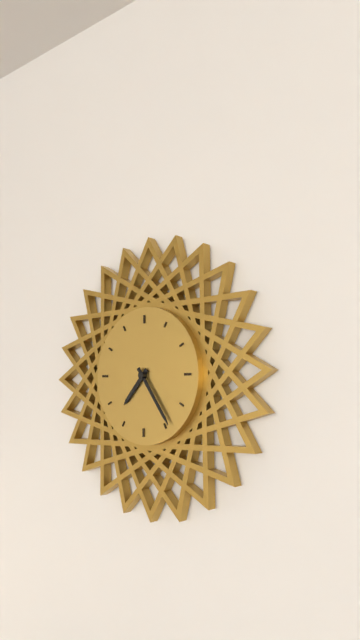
h=7 m=24
